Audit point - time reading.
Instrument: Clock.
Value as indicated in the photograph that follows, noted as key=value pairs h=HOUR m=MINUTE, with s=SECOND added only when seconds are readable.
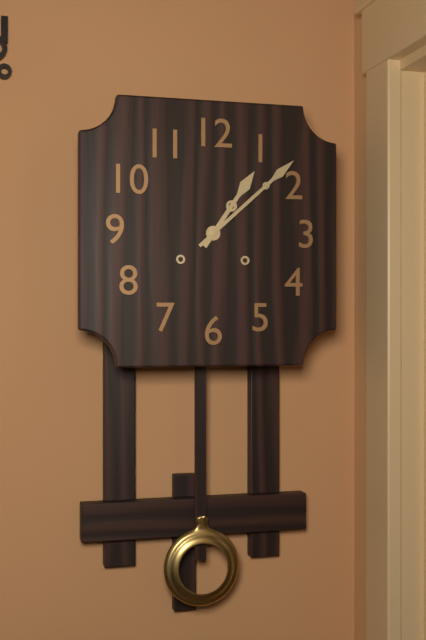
h=1 m=8
